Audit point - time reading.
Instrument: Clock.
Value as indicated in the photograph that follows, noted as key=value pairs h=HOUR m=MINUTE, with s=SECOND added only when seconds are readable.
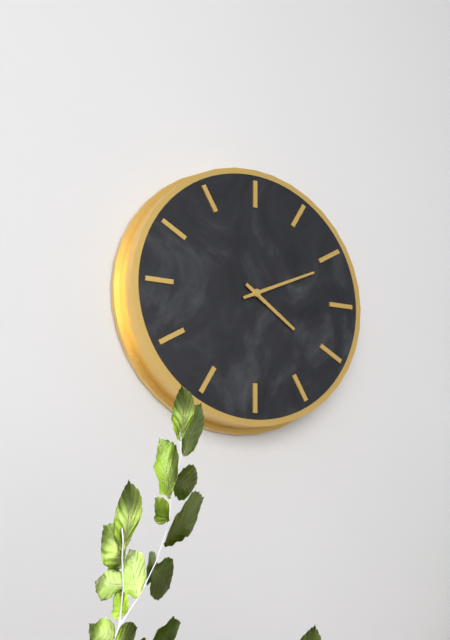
h=4 m=11
